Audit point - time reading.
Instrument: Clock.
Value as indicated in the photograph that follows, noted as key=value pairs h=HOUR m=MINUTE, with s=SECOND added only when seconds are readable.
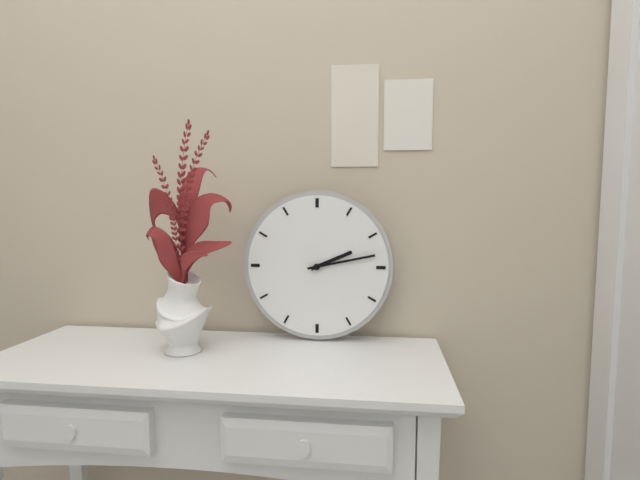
h=2 m=13
